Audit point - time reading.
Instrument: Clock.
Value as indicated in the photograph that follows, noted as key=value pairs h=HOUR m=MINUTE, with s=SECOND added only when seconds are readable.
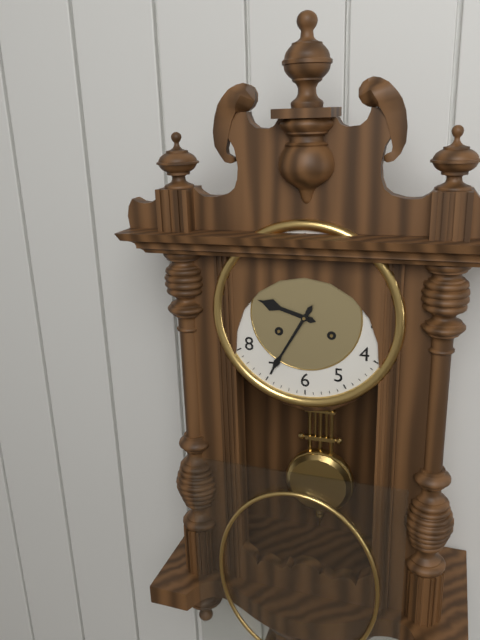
h=9 m=35
